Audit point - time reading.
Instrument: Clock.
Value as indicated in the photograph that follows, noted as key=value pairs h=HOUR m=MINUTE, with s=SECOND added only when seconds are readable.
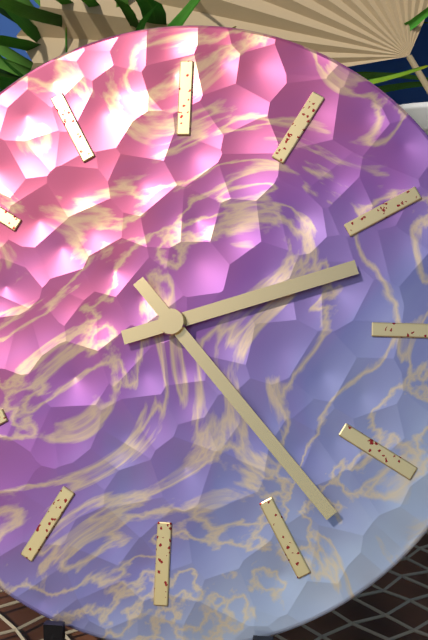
h=2 m=23
